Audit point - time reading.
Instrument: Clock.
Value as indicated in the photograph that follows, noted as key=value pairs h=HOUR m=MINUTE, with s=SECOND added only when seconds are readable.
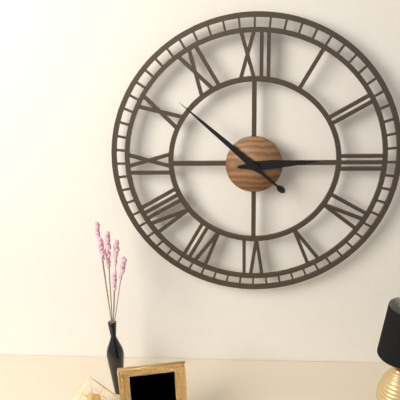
h=2 m=52
